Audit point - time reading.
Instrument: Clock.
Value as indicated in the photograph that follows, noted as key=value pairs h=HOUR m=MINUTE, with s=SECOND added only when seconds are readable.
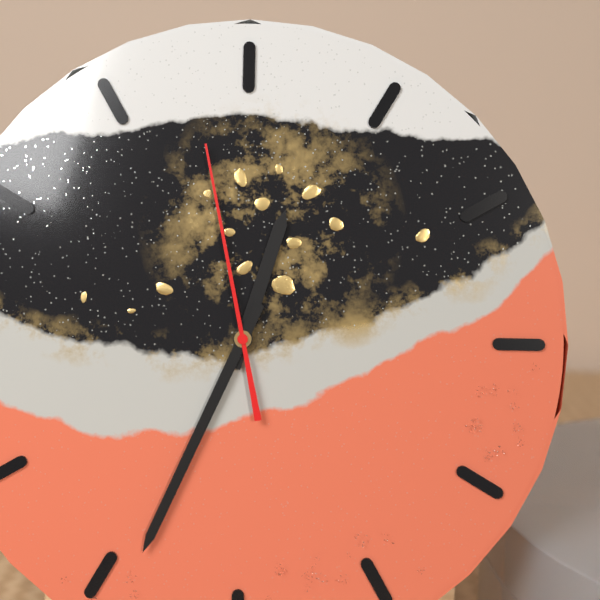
h=12 m=34 s=58
